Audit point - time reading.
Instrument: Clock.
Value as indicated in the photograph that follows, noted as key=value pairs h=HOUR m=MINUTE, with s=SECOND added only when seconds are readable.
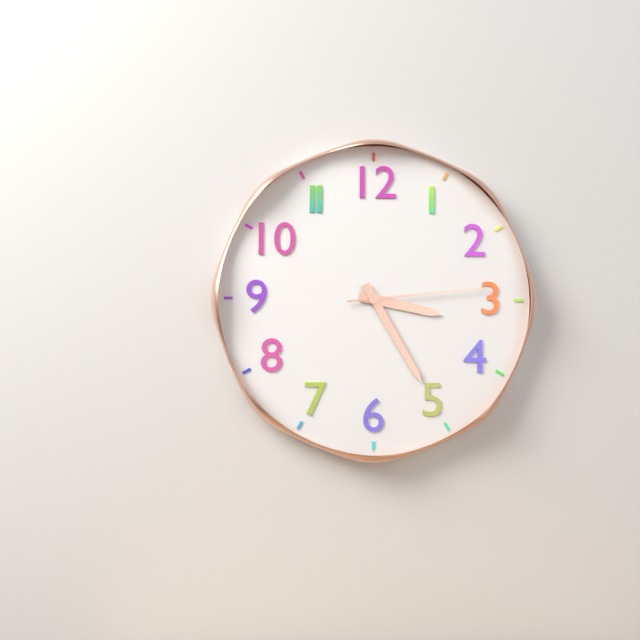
h=3 m=25 s=14
